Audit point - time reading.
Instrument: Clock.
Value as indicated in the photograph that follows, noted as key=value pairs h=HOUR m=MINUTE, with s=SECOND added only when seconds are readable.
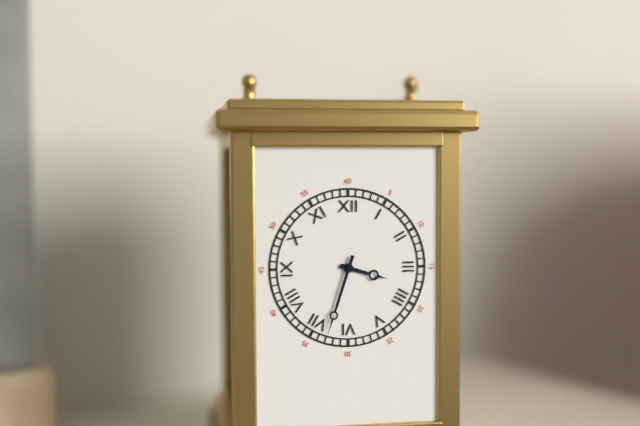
h=3 m=33
